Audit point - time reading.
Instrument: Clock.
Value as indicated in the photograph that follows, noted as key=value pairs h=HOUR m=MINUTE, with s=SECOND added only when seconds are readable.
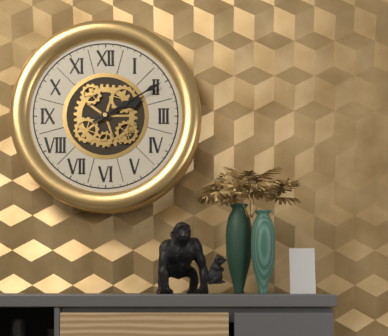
h=2 m=10
